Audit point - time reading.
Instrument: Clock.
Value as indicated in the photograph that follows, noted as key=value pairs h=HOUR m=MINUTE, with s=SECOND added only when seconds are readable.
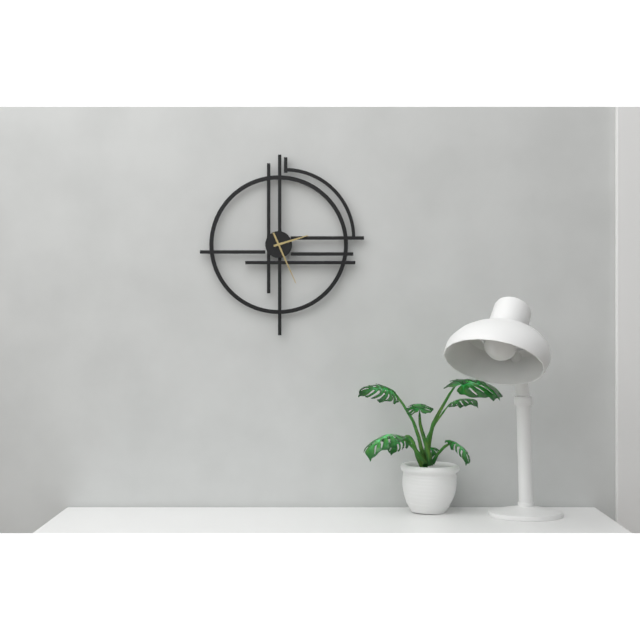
h=2 m=26
